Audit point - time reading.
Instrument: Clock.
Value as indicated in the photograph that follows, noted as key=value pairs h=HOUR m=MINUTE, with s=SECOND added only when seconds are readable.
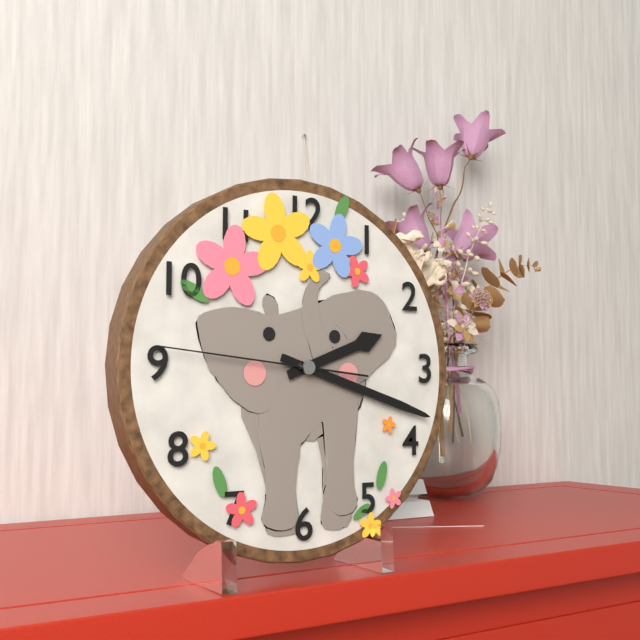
h=2 m=18 s=46
